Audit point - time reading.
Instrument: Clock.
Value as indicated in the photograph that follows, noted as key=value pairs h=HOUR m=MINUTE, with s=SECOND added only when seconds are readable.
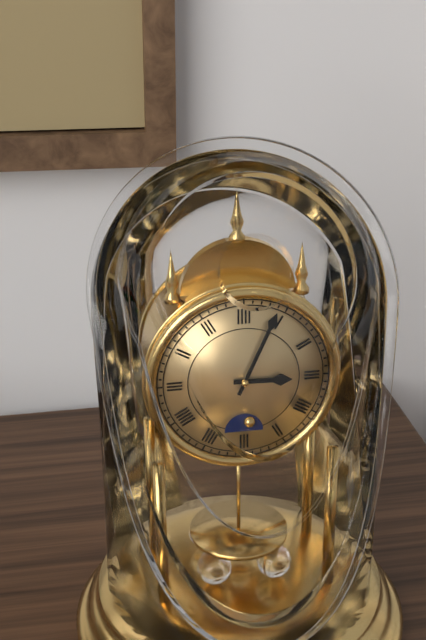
h=3 m=4
